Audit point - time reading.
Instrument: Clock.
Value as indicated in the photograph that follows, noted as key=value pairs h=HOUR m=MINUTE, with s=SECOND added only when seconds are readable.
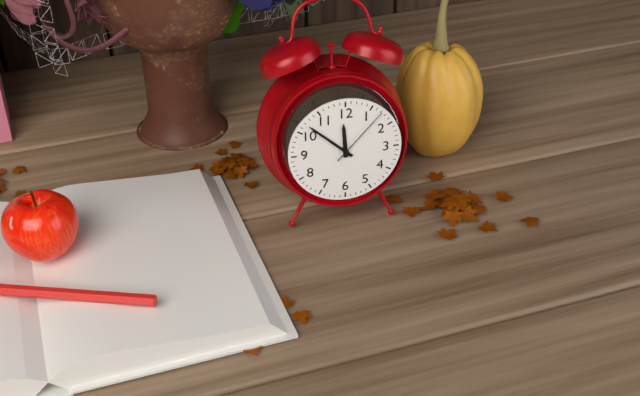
h=11 m=52 s=7
